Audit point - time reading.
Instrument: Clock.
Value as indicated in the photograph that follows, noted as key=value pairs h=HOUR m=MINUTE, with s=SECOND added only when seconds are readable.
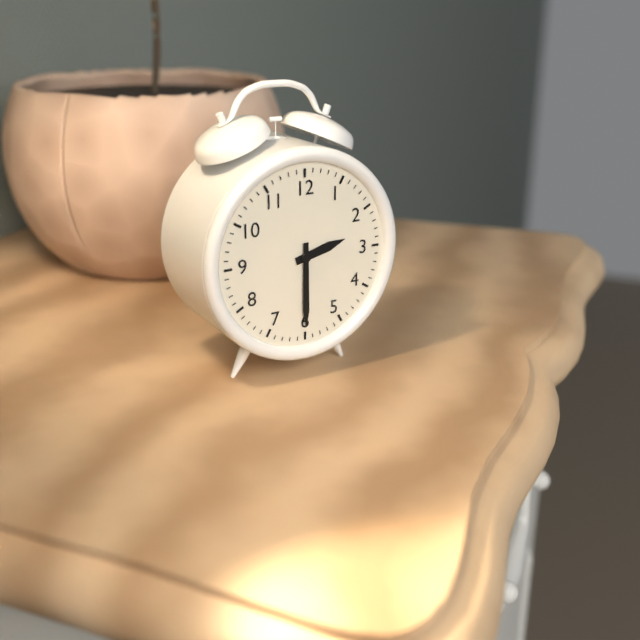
h=2 m=30
